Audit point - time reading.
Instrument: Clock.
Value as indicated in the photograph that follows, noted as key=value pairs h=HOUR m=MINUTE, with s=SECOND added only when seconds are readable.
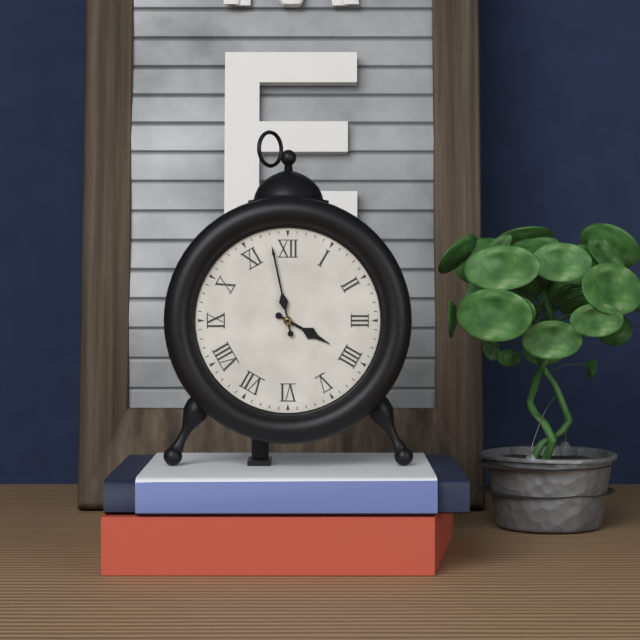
h=3 m=58
